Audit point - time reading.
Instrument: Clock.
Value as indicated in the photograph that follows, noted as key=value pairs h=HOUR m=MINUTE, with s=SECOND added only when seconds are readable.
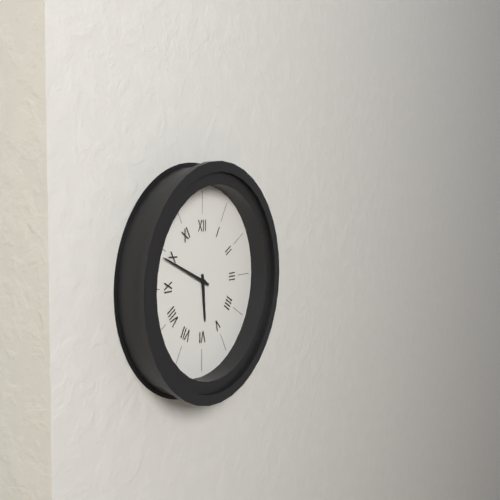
h=5 m=49
